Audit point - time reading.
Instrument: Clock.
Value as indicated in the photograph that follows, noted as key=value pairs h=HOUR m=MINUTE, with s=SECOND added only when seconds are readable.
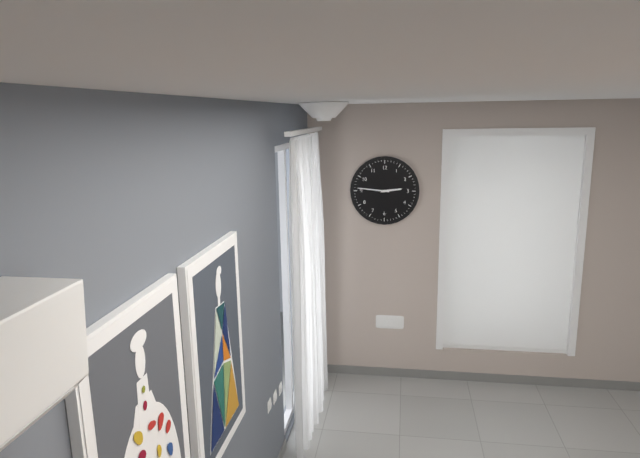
h=2 m=46
